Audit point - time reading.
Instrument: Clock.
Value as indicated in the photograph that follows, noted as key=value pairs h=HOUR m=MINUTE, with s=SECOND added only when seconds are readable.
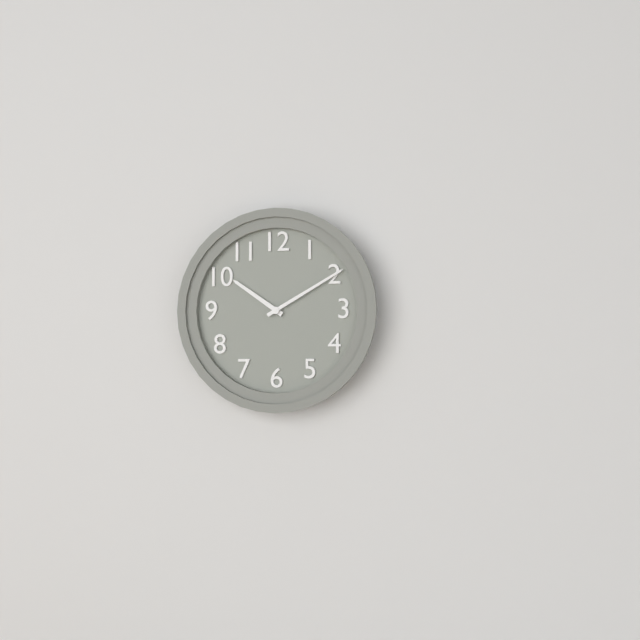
h=10 m=10
